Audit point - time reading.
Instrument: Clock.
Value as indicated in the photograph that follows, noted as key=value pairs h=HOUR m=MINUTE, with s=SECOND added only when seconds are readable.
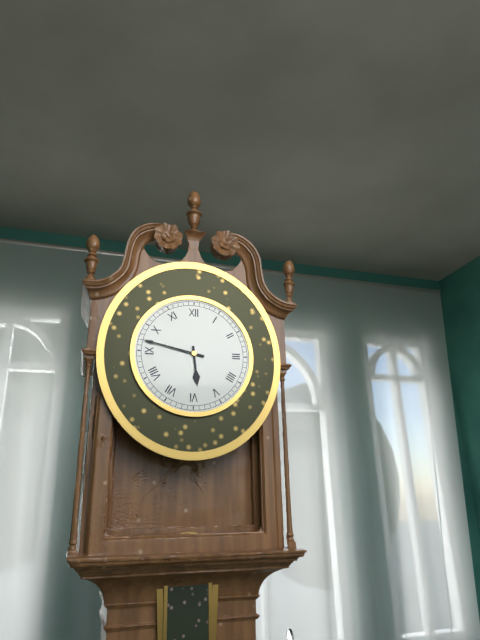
h=5 m=47
